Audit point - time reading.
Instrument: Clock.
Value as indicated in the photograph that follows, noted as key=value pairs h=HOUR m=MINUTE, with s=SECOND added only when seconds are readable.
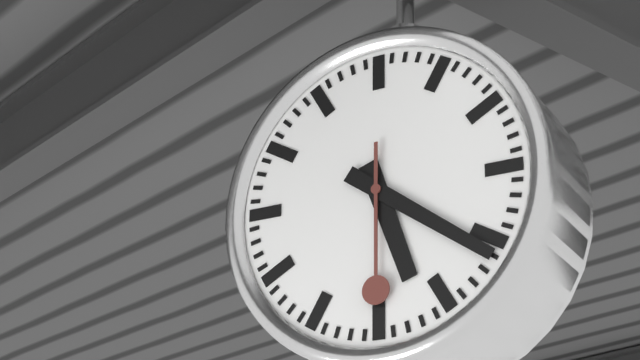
h=5 m=21 s=30
